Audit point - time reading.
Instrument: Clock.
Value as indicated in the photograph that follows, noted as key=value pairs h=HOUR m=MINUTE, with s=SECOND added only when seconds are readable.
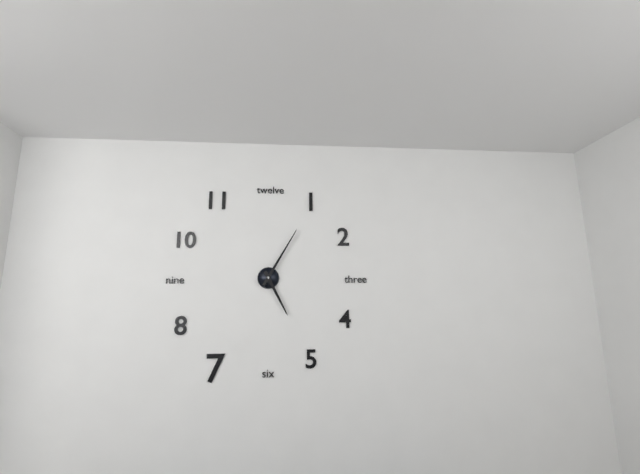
h=5 m=5
